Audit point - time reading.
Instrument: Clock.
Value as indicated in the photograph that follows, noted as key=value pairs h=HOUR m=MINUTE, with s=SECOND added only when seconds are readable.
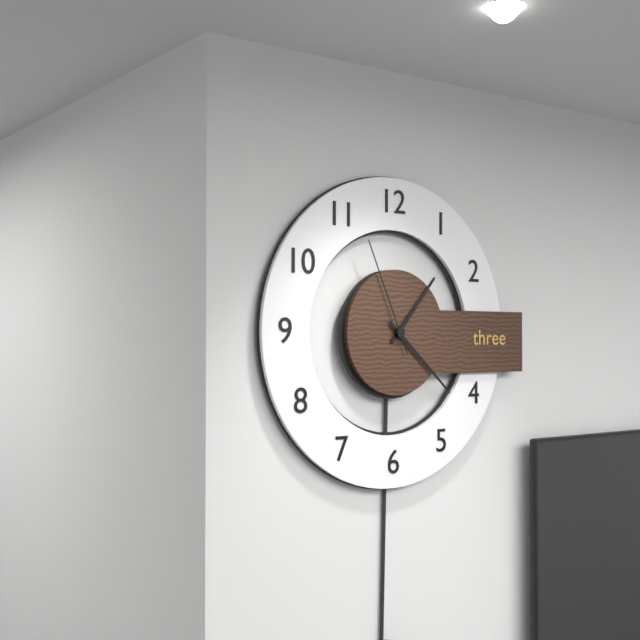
h=1 m=22 s=56
